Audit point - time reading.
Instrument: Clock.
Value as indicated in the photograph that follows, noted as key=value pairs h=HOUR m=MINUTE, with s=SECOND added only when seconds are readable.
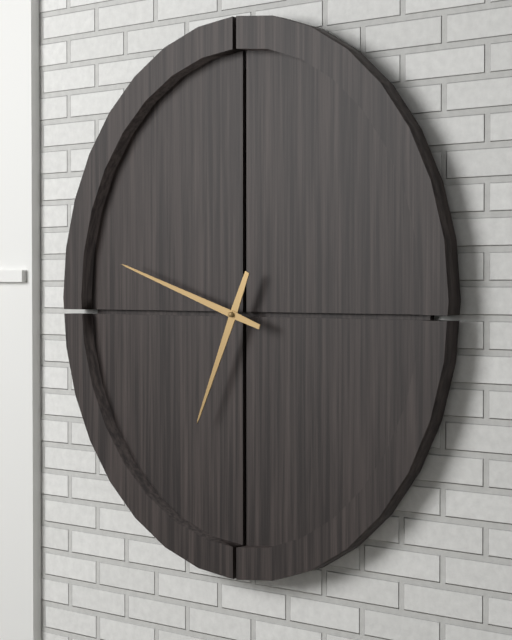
h=6 m=48
